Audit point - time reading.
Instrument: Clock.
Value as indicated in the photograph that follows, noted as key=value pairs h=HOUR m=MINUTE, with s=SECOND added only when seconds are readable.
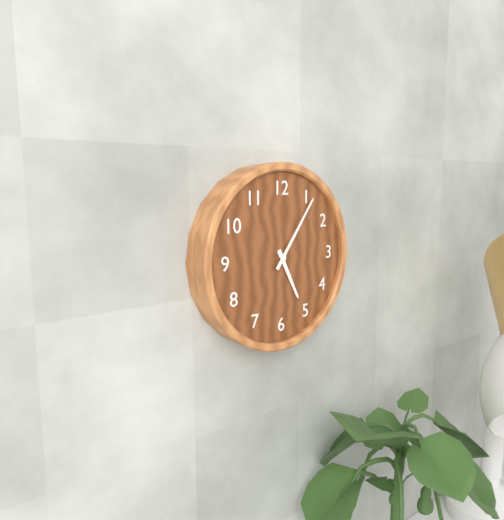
h=5 m=6
